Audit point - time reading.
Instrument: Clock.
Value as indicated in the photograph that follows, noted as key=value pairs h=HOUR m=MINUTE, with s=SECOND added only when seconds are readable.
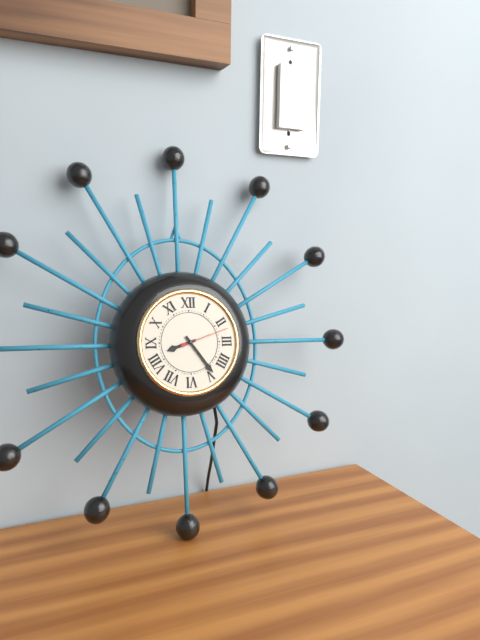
h=8 m=24
